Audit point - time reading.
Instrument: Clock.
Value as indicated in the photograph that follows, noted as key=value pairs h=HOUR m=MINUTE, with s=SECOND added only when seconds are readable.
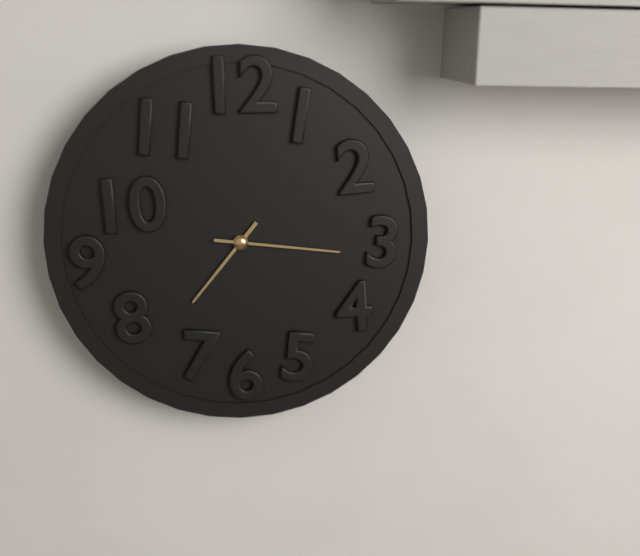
h=7 m=16
